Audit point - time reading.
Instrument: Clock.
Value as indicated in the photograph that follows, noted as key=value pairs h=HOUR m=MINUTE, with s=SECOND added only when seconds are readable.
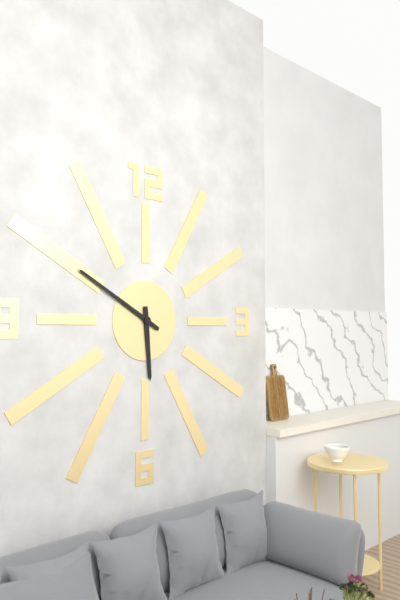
h=5 m=50
